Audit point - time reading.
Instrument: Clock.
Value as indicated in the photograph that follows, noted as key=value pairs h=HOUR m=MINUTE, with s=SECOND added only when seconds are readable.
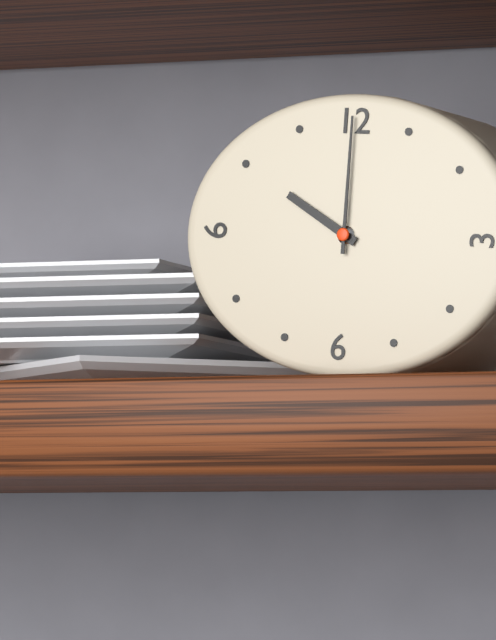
h=10 m=0
